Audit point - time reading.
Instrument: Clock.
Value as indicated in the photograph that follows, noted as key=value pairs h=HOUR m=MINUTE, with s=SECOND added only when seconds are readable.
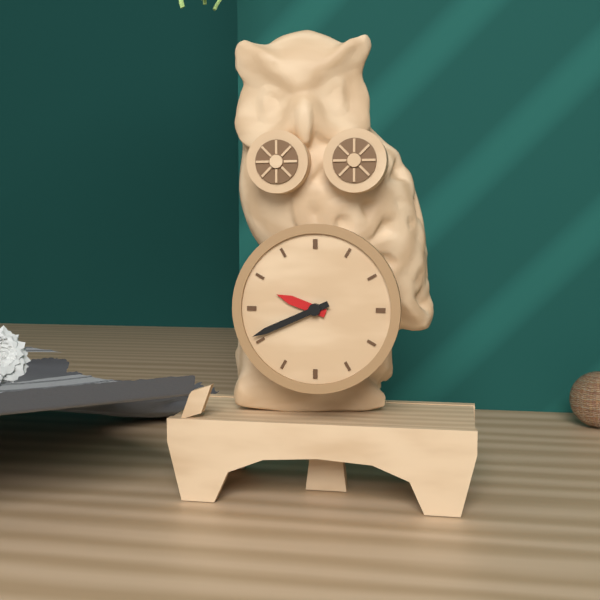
h=9 m=41
